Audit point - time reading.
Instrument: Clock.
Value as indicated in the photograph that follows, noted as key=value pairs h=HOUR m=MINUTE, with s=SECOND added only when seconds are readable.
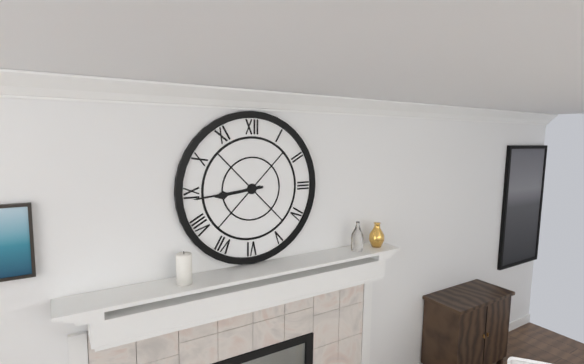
h=8 m=44
